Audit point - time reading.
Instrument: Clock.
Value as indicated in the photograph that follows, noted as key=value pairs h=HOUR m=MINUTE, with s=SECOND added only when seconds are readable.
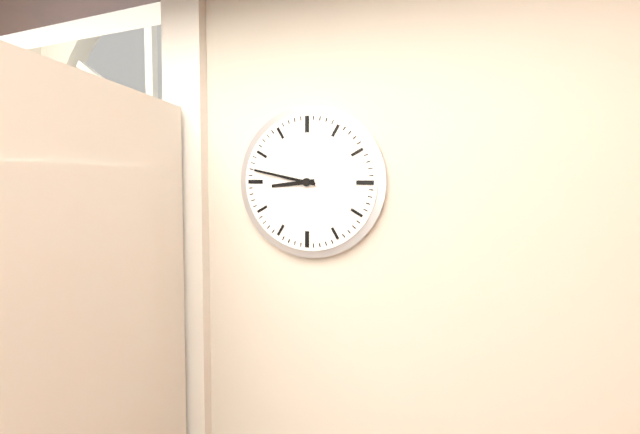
h=8 m=47
